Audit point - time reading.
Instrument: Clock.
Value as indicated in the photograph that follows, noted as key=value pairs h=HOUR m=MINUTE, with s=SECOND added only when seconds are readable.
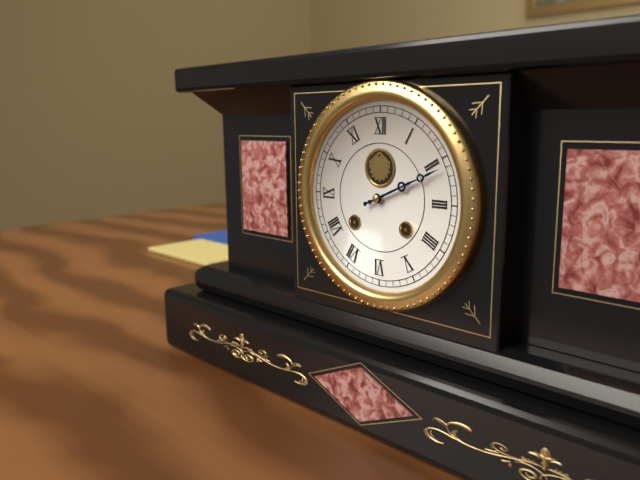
h=2 m=11
